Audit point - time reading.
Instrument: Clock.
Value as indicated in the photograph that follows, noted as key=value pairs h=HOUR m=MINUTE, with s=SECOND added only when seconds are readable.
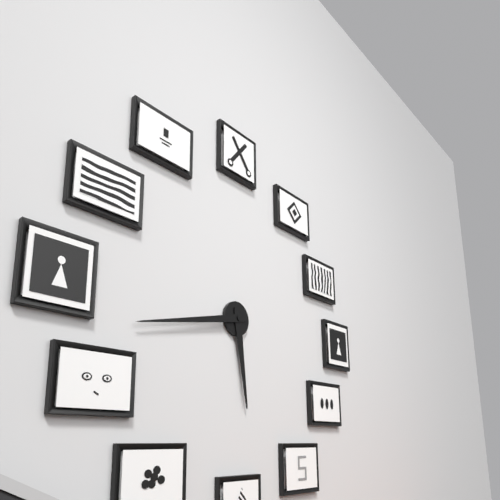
h=5 m=43
